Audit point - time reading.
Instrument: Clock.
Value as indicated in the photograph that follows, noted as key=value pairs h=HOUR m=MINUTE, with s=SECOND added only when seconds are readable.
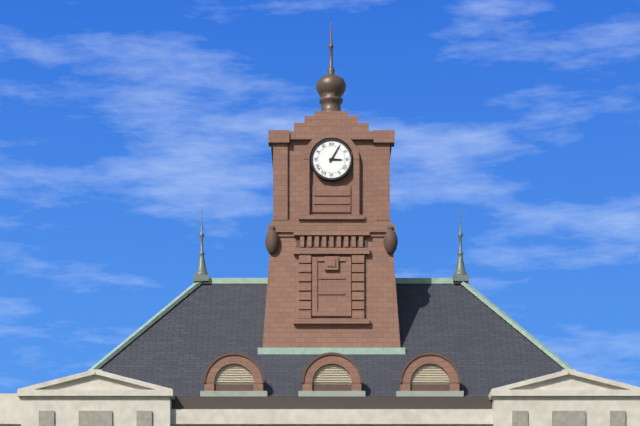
h=3 m=5
